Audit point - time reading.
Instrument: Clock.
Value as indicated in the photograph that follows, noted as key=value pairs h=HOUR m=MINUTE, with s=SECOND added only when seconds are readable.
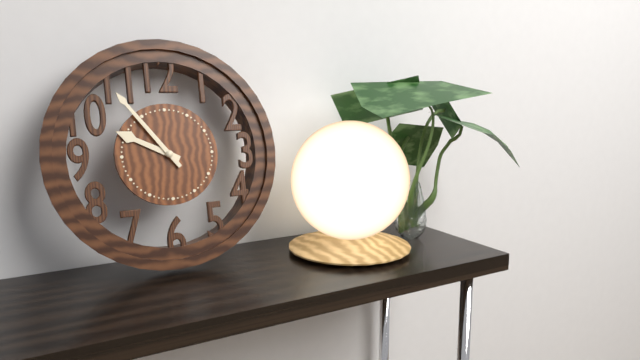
h=9 m=54
